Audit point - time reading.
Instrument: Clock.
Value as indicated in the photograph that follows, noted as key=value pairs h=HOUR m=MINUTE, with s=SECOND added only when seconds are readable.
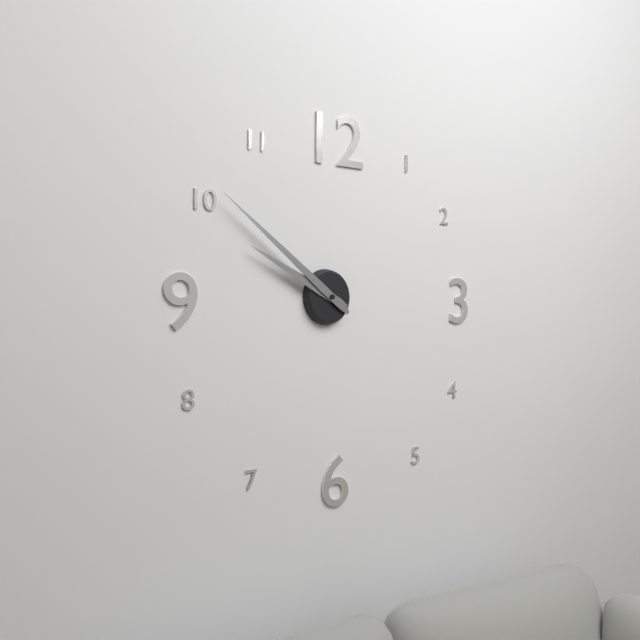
h=9 m=51
